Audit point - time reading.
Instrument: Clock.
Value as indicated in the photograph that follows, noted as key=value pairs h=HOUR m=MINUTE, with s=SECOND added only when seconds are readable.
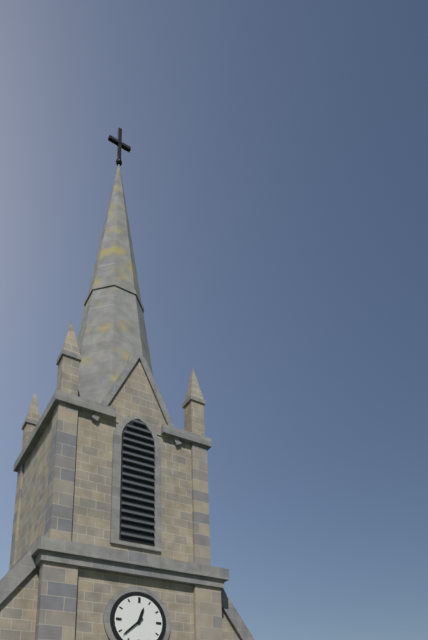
h=12 m=38
